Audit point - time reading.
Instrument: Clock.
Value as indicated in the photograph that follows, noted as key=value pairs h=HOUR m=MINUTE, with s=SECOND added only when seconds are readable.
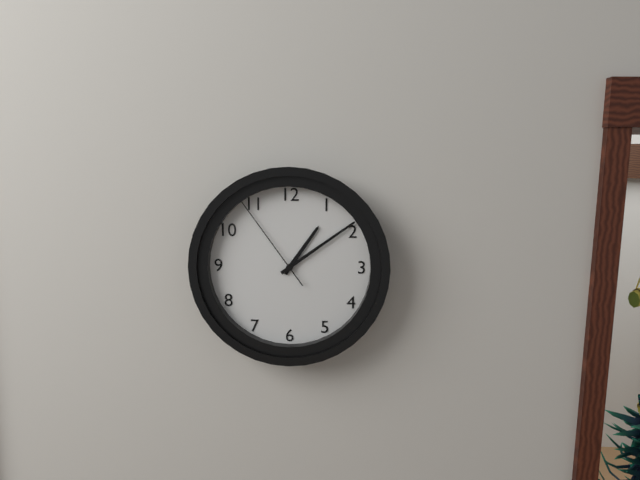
h=1 m=9 s=54
